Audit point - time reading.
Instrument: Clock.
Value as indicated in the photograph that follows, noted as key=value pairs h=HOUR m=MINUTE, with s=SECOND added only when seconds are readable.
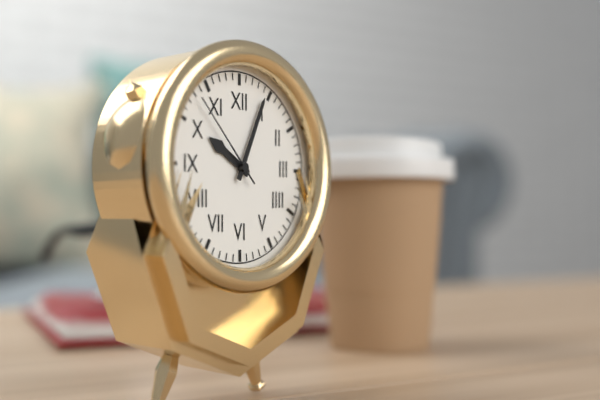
h=10 m=4 s=53
